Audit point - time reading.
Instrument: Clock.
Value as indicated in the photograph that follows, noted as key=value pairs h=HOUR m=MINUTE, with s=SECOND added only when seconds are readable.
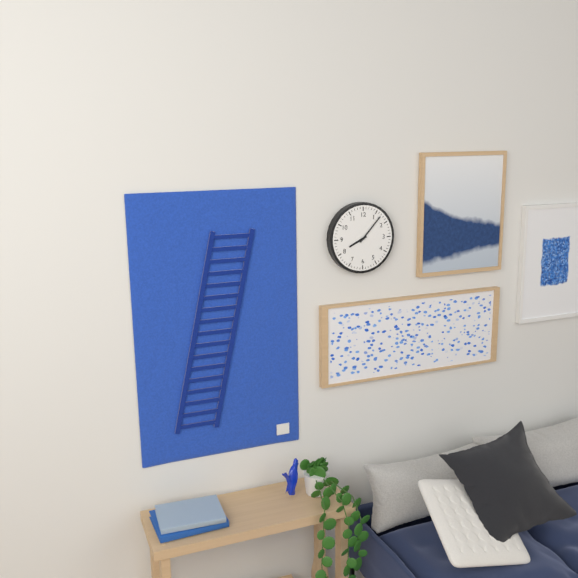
h=8 m=7
